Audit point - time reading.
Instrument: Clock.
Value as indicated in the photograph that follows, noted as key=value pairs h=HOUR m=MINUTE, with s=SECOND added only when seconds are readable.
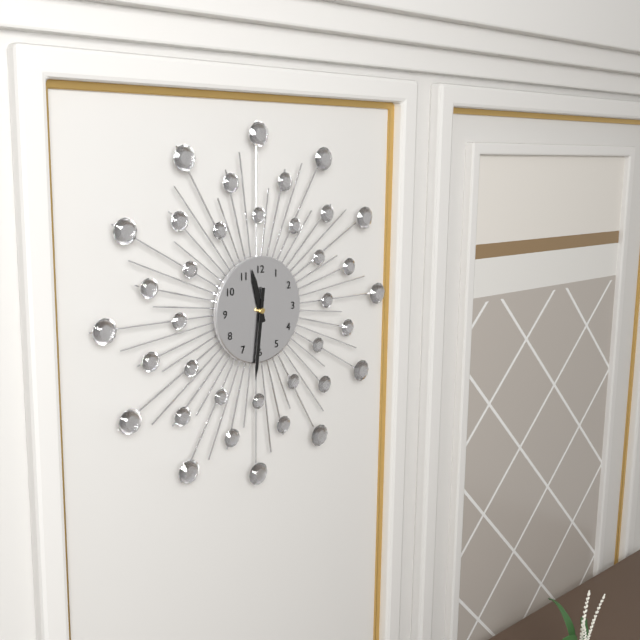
h=11 m=31
